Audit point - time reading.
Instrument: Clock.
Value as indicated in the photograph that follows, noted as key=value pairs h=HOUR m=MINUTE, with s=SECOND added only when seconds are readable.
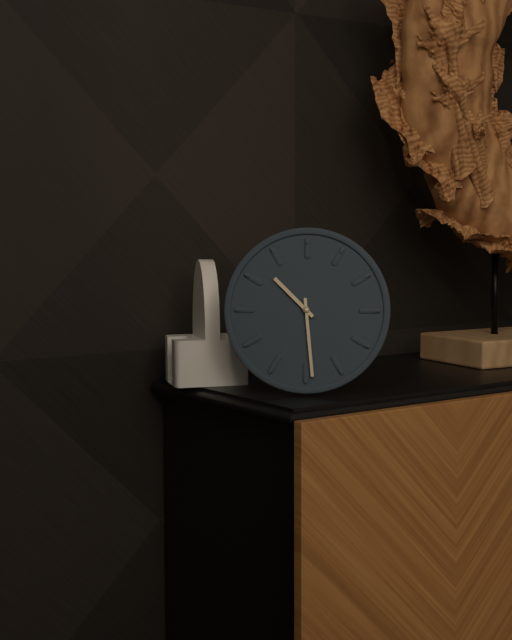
h=10 m=29
